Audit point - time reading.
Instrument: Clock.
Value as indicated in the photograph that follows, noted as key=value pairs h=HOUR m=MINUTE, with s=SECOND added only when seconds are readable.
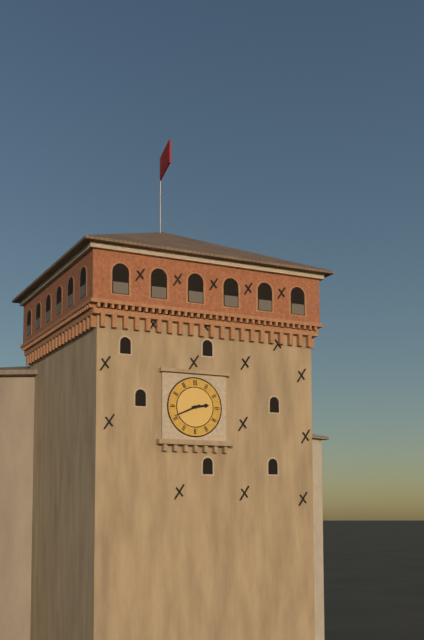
h=2 m=41
